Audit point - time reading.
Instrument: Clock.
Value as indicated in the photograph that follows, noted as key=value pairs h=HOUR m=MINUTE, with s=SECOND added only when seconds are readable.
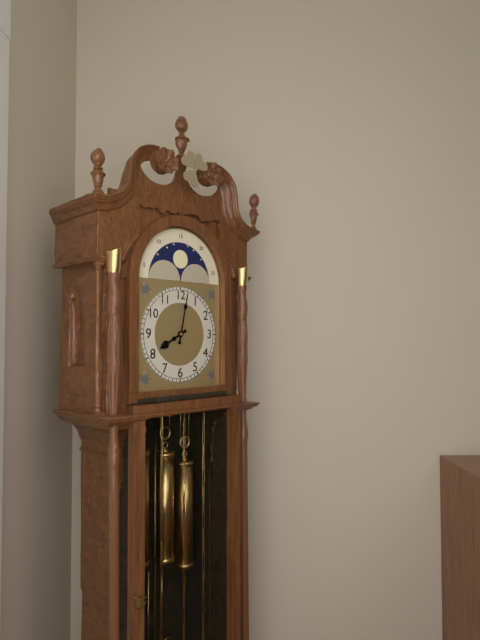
h=8 m=2
